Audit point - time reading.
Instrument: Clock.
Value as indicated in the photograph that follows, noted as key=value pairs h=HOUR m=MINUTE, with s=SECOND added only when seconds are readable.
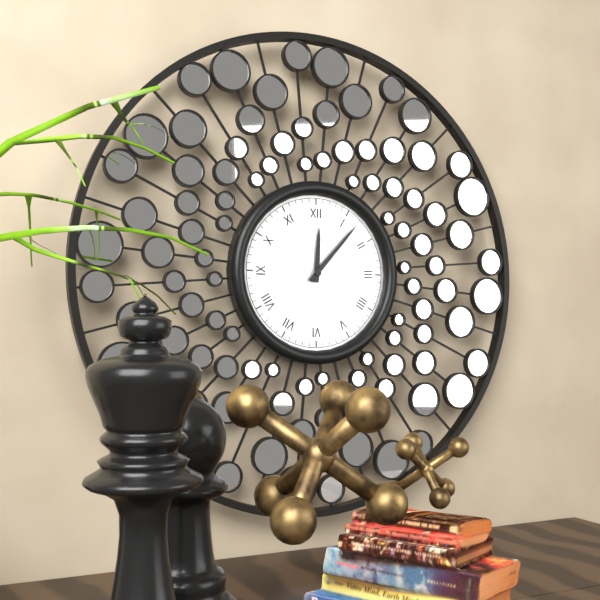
h=12 m=7
